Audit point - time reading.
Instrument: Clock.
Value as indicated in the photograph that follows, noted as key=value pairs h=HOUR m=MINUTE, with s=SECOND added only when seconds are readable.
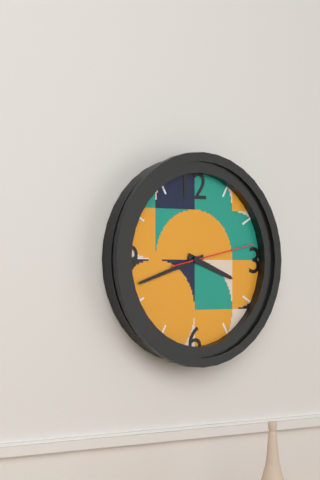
h=3 m=42 s=13
